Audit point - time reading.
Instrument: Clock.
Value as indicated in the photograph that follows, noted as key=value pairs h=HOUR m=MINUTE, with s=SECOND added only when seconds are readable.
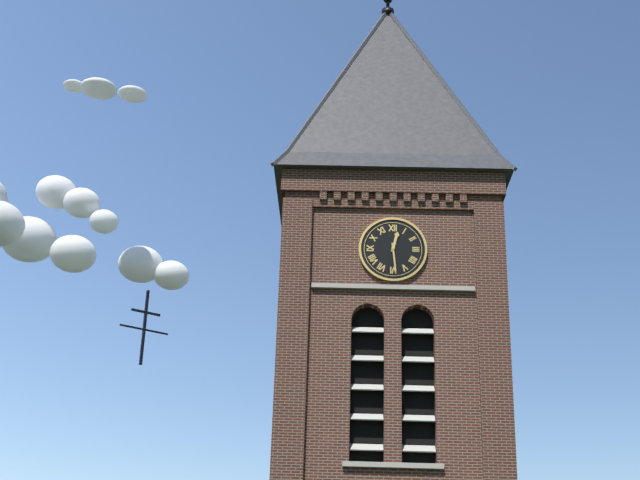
h=12 m=29
